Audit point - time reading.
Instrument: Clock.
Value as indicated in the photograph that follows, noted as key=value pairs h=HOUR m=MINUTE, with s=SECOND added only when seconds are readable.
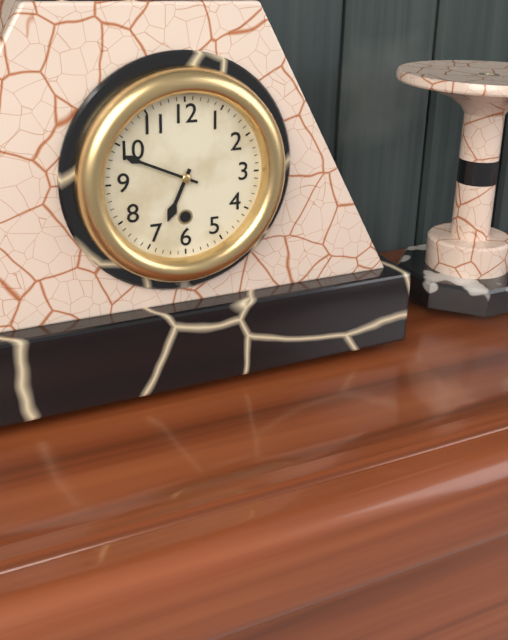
h=6 m=49
